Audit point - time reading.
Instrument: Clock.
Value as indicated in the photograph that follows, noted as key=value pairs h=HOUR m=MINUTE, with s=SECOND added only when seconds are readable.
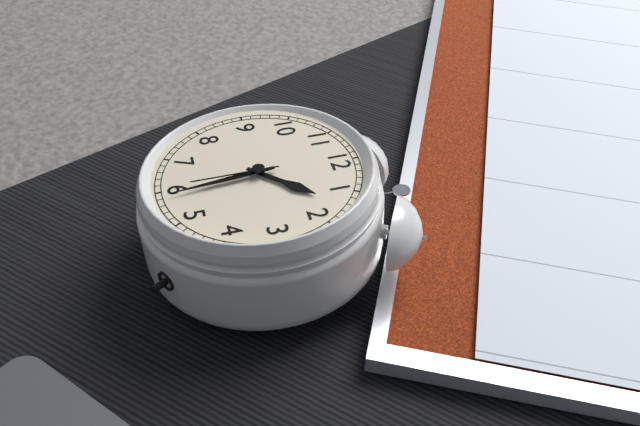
h=1 m=29 s=30
